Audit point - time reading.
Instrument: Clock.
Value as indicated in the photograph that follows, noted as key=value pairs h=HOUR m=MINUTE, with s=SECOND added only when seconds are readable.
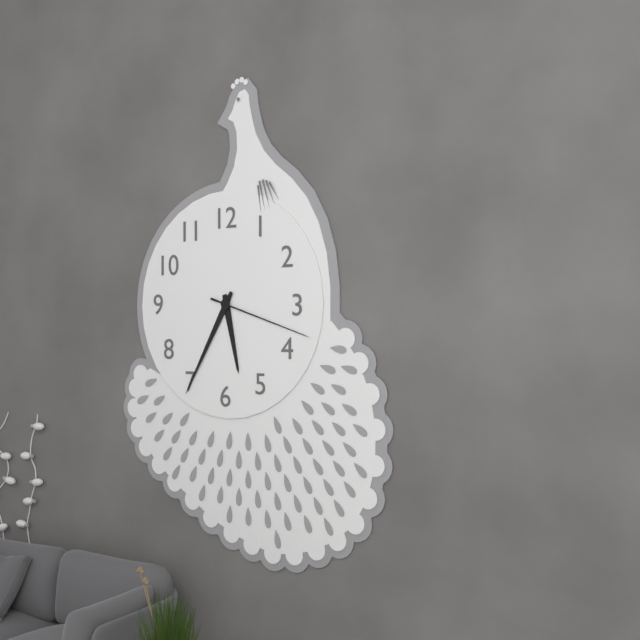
h=5 m=35 s=18
